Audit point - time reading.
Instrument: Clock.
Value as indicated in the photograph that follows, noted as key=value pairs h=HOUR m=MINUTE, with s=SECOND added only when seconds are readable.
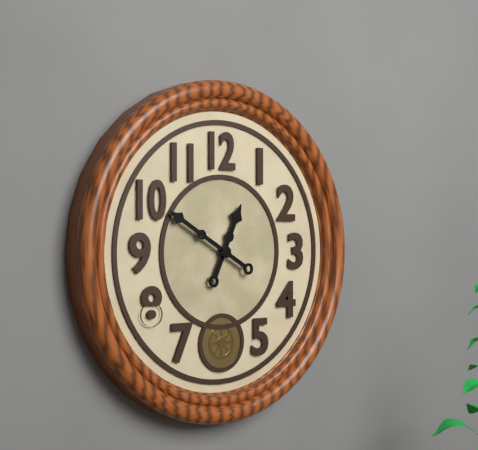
h=12 m=50
